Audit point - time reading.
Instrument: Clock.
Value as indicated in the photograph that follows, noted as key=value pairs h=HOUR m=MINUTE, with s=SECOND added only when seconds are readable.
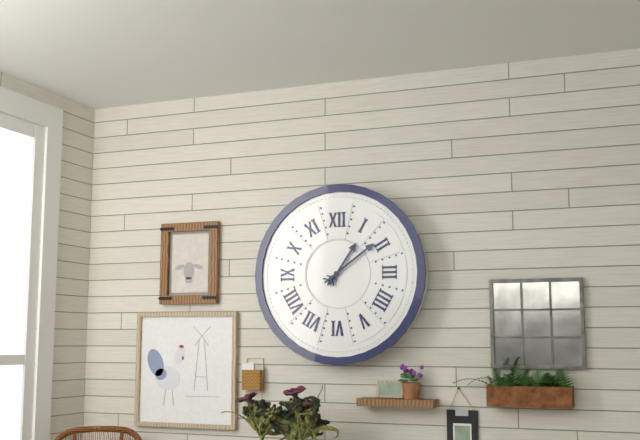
h=1 m=9
